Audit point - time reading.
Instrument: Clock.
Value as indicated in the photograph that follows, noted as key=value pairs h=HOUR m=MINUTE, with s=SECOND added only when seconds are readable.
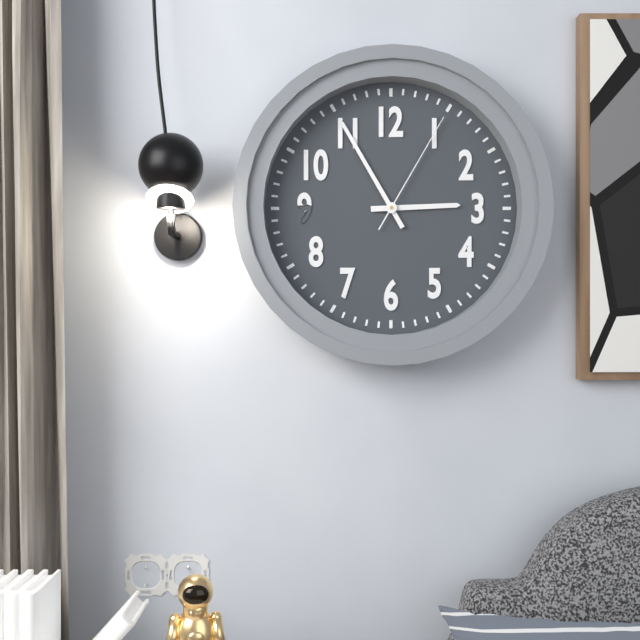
h=2 m=55 s=5
